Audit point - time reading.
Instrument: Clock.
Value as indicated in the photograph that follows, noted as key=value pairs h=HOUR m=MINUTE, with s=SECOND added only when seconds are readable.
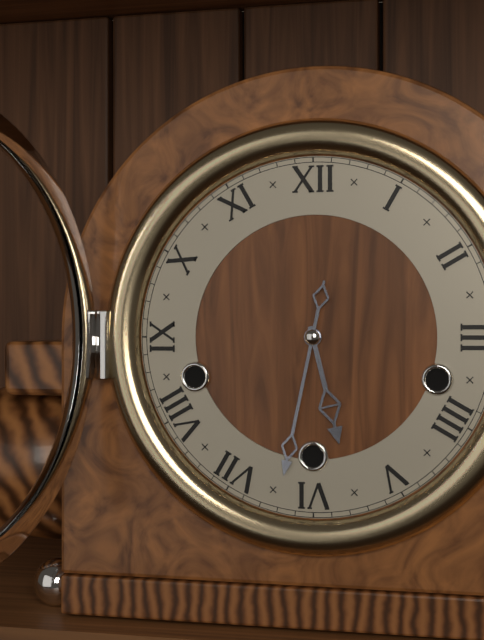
h=5 m=32
